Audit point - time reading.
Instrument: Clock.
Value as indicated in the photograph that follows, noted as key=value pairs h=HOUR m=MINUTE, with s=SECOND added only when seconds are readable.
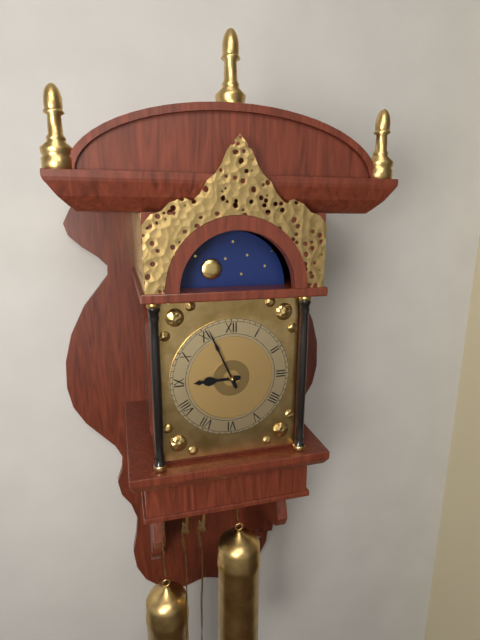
h=8 m=56
